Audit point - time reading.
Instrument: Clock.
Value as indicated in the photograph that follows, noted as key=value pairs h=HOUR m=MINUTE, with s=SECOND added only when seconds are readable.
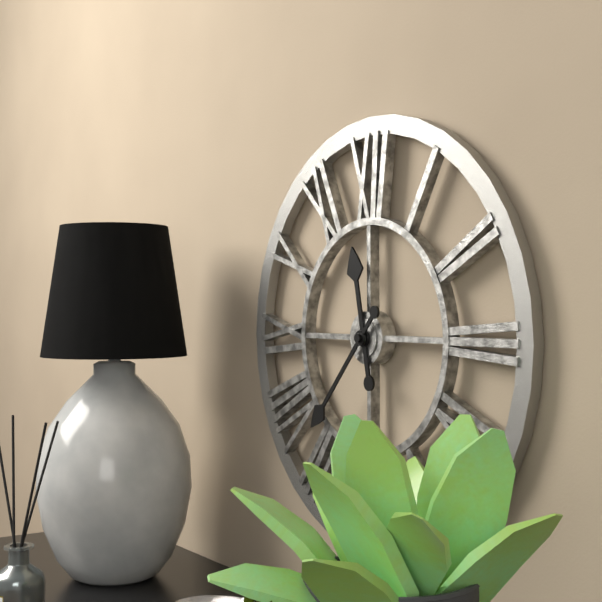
h=11 m=37
